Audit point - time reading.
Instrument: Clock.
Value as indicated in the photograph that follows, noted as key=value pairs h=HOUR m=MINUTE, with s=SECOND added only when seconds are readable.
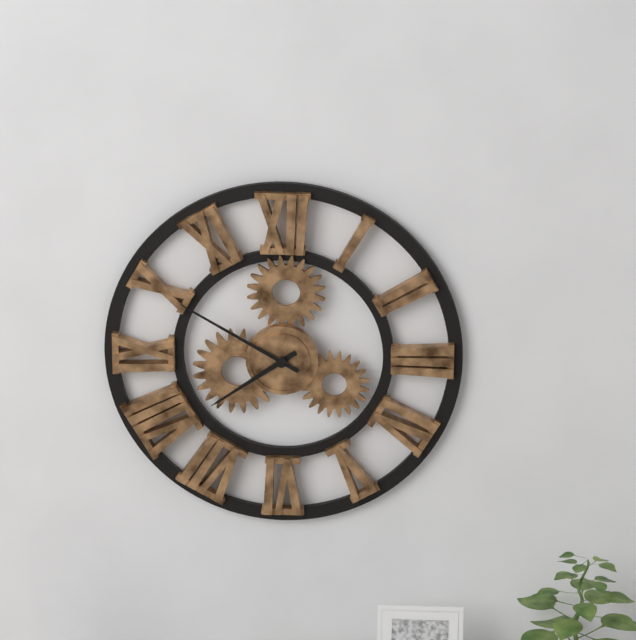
h=7 m=50
